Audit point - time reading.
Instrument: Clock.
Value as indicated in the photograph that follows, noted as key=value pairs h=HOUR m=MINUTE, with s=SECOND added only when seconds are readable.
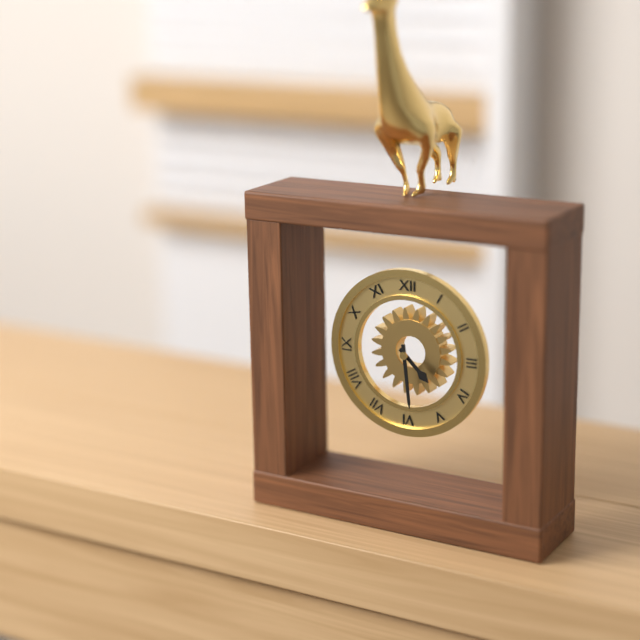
h=4 m=29
